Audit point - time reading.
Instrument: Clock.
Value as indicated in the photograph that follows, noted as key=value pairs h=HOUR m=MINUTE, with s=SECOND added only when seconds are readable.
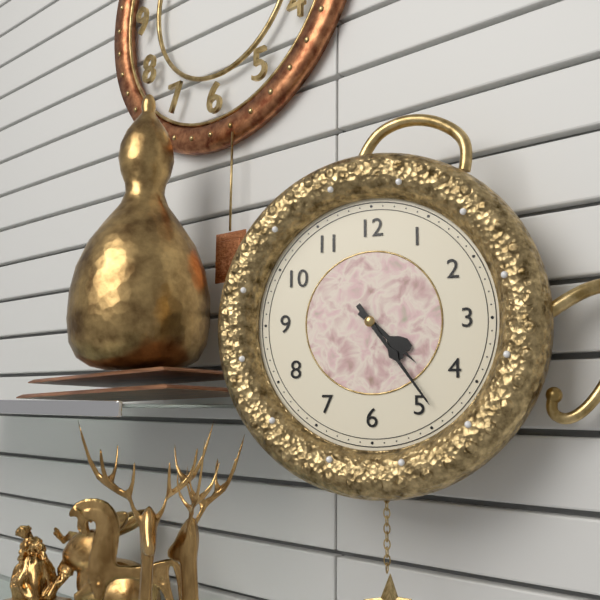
h=4 m=24
